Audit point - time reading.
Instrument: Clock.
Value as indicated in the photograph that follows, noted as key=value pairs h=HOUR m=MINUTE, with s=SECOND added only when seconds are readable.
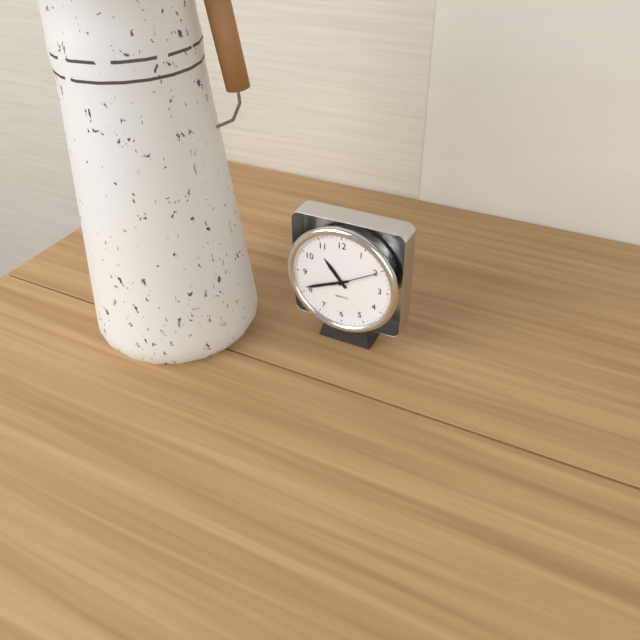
h=10 m=41
